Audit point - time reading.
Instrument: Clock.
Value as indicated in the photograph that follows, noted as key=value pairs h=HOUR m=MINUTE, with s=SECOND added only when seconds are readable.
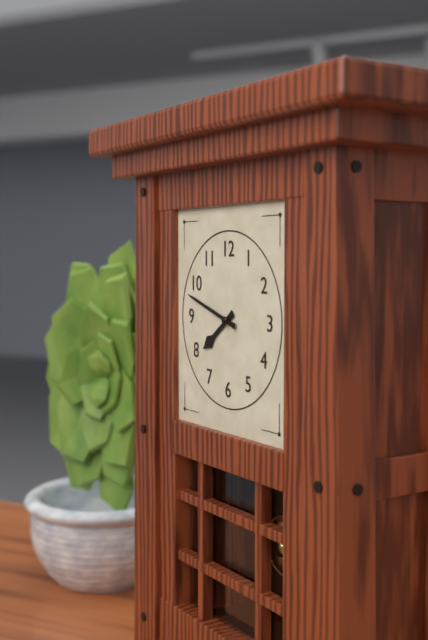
h=7 m=48
